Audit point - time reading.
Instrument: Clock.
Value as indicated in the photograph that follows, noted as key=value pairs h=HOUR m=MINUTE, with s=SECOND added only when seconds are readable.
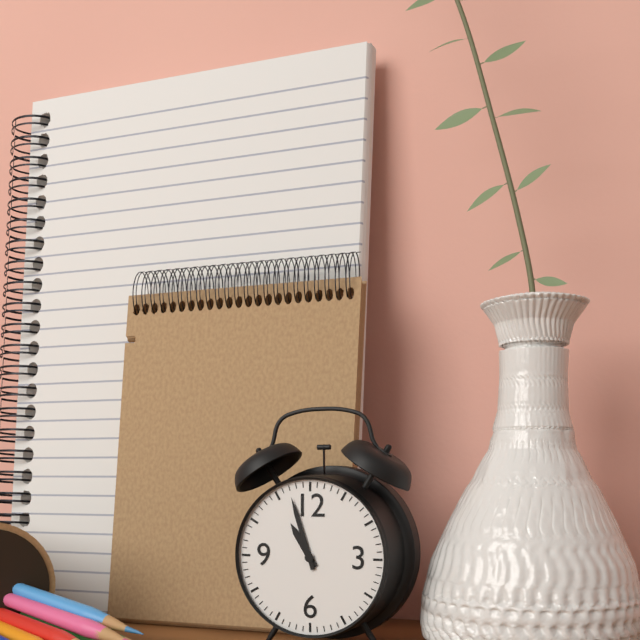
h=10 m=57
